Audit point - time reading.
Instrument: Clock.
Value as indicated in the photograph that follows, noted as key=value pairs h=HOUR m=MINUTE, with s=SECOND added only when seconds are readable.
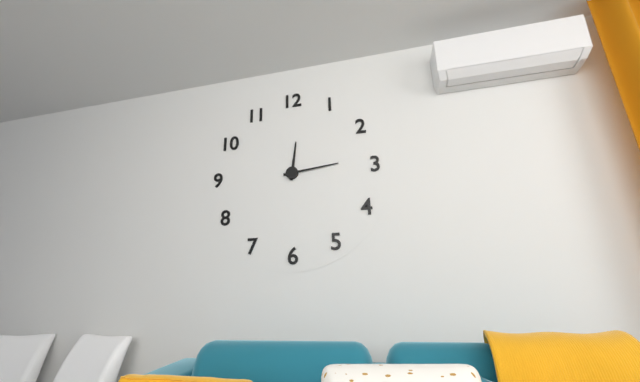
h=12 m=14
